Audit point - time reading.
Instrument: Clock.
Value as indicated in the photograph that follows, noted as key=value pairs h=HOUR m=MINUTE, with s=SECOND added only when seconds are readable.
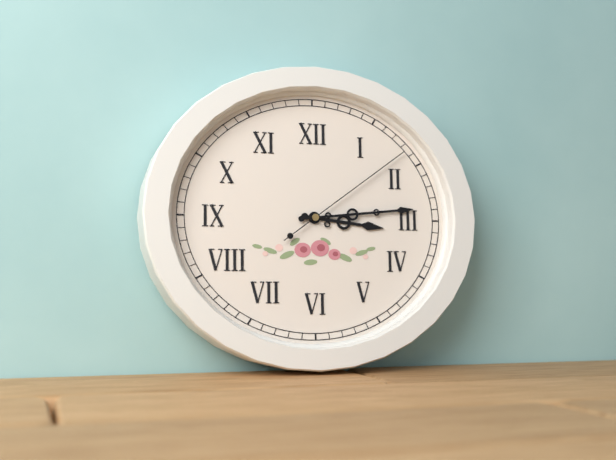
h=3 m=14 s=9
